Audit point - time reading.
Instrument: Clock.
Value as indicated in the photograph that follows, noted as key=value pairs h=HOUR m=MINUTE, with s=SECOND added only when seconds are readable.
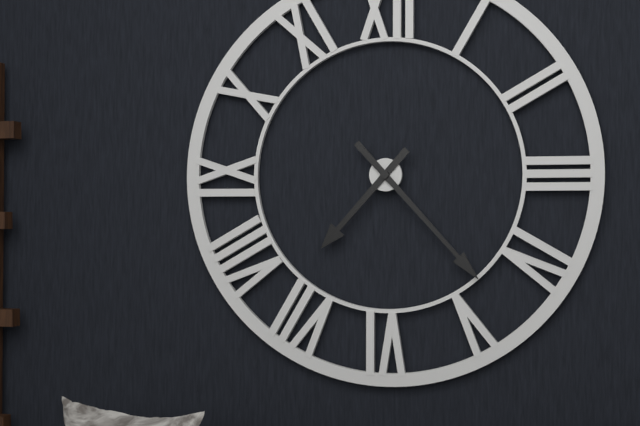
h=7 m=23
